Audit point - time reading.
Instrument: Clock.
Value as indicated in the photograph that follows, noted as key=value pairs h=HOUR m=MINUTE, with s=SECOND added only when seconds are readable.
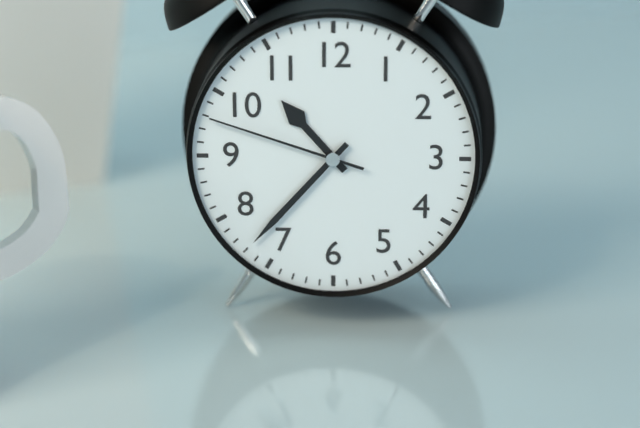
h=10 m=37 s=48
